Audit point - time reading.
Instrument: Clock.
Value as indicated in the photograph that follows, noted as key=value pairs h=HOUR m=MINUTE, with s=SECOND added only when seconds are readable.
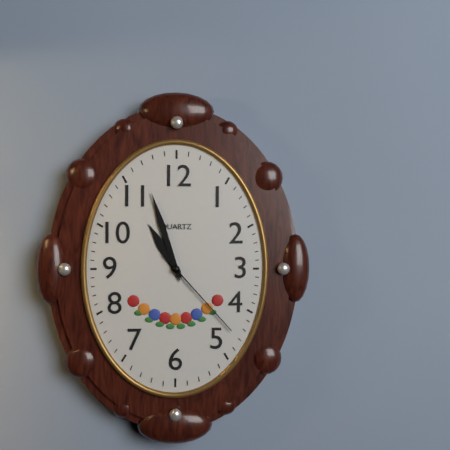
h=10 m=57 s=23
